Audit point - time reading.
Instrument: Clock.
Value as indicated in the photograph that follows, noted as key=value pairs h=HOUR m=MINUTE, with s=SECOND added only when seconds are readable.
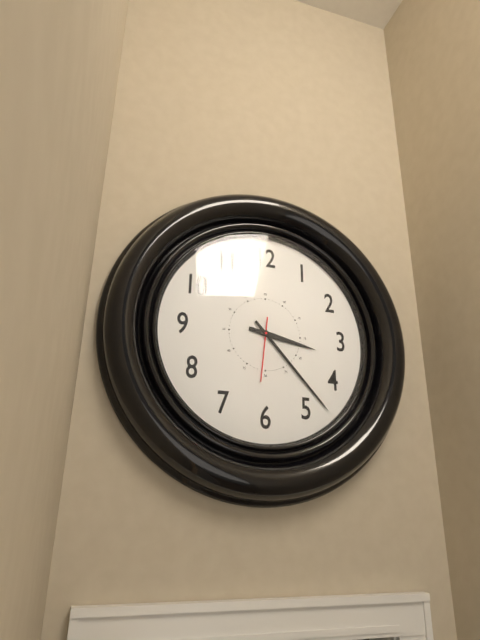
h=3 m=23 s=31
